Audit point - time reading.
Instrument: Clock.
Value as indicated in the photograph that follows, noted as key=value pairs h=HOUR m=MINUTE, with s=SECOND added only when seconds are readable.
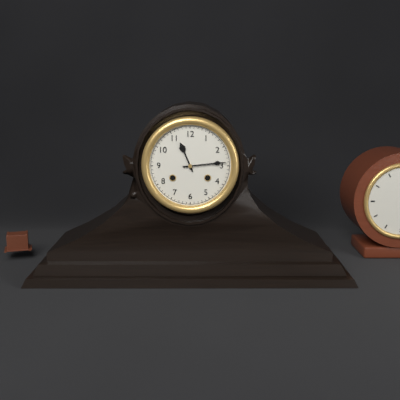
h=11 m=14
